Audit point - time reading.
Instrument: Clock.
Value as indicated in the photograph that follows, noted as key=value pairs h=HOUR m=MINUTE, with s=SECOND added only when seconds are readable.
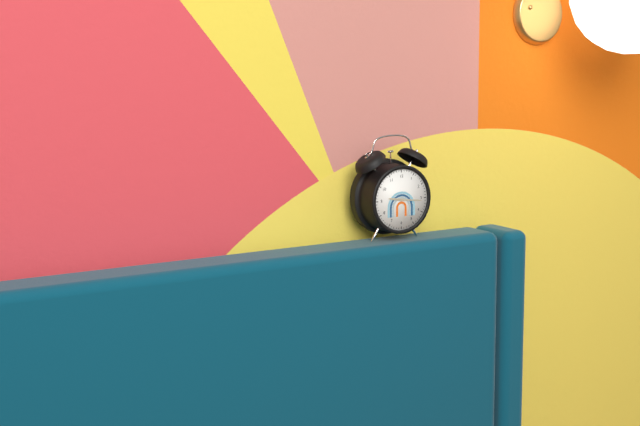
h=9 m=16
